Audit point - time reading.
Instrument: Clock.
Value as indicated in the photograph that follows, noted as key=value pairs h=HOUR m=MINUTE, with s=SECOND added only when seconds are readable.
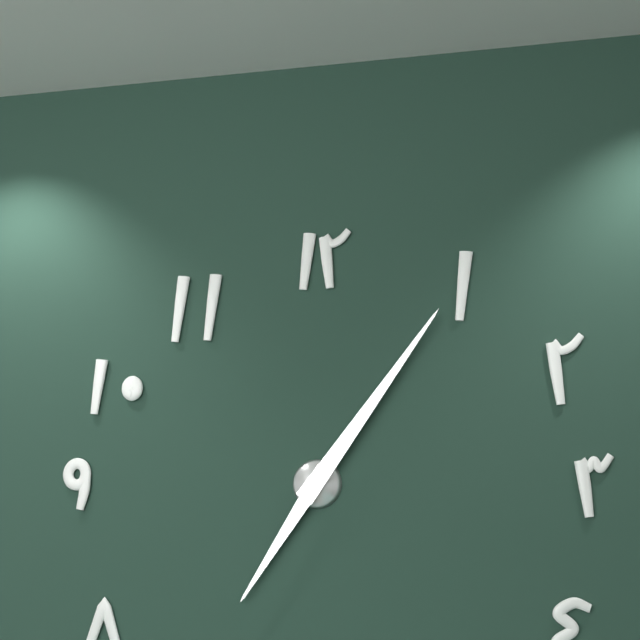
h=7 m=6
